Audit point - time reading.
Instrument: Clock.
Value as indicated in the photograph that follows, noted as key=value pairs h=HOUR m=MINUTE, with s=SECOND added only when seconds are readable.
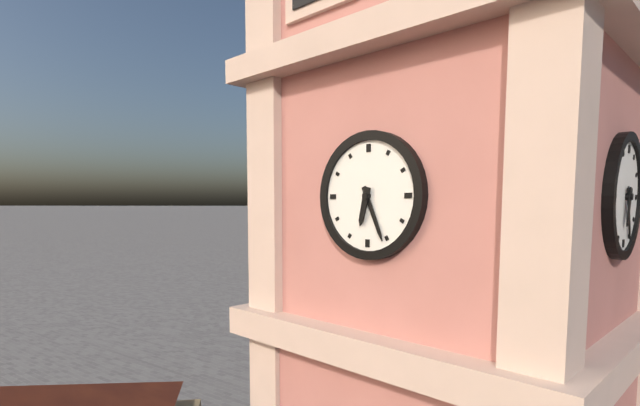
h=6 m=26
